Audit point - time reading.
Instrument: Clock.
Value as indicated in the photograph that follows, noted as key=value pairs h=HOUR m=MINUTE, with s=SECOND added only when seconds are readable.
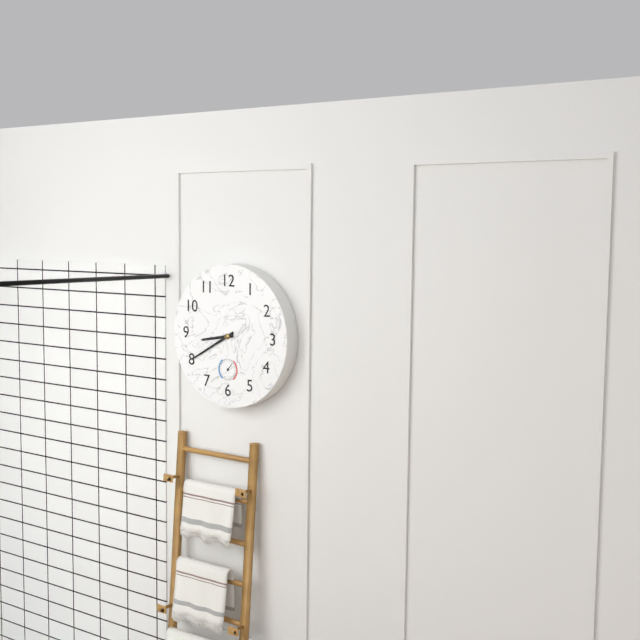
h=8 m=40
